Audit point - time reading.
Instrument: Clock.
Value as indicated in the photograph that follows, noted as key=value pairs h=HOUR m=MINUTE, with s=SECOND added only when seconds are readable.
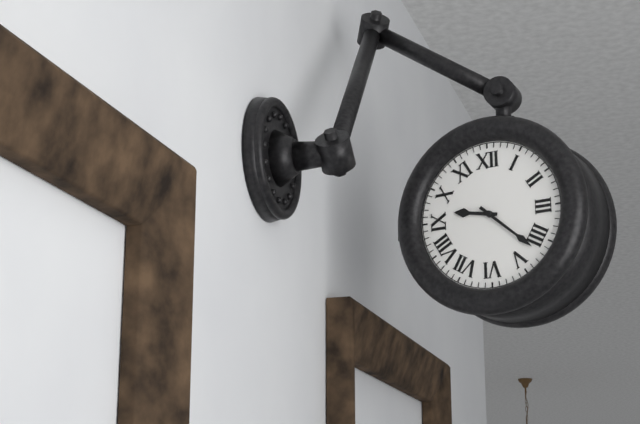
h=9 m=22
